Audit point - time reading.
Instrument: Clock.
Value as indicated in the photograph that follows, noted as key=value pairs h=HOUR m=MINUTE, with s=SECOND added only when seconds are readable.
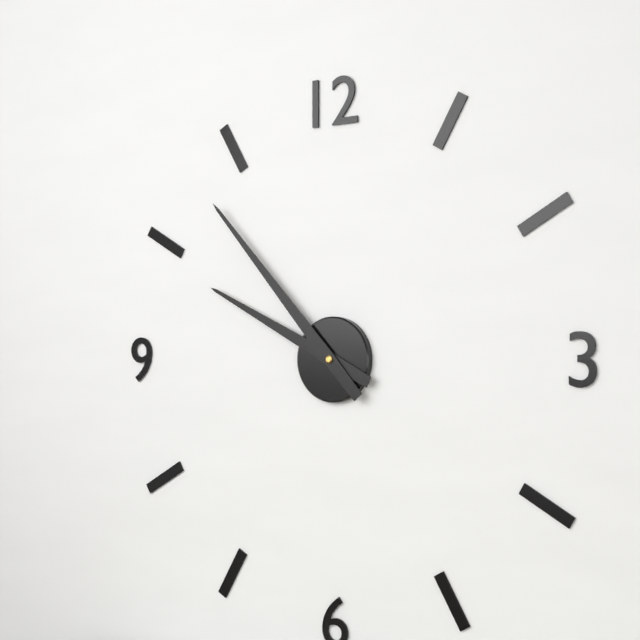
h=9 m=53
